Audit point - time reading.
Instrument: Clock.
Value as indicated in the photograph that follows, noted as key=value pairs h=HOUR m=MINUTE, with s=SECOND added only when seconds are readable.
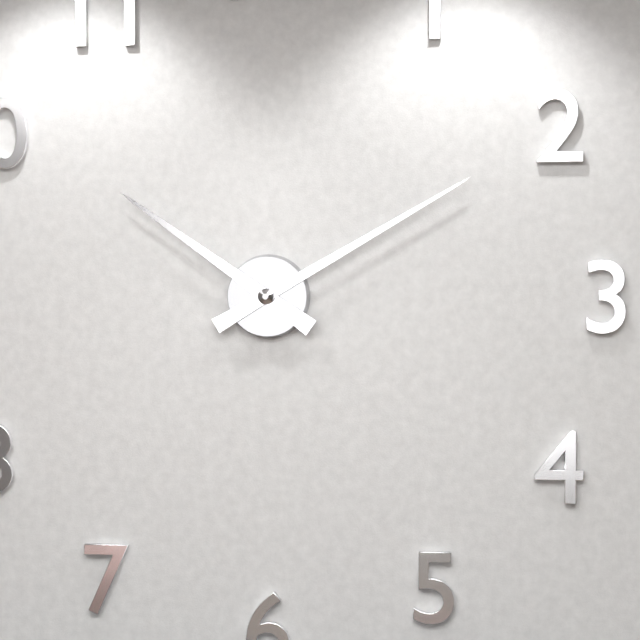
h=10 m=10
